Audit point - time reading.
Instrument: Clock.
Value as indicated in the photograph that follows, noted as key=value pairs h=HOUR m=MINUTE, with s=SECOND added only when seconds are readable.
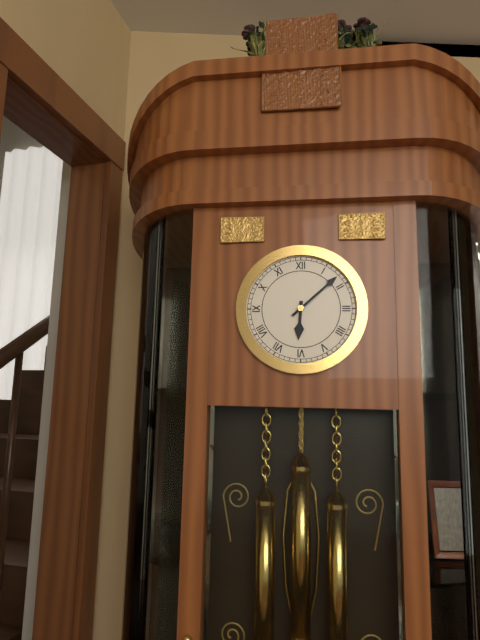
h=6 m=8
